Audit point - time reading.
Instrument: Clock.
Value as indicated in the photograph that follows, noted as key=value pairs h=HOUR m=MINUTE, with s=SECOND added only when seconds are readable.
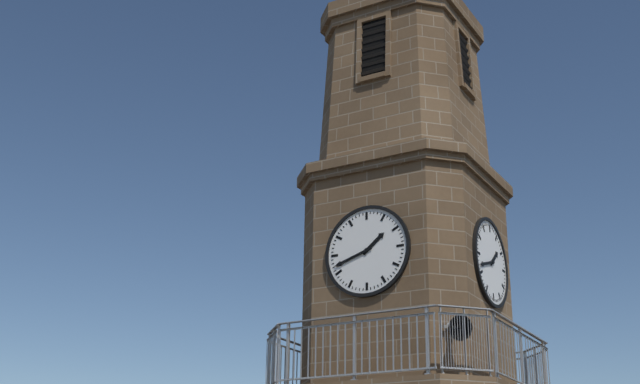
h=1 m=42
